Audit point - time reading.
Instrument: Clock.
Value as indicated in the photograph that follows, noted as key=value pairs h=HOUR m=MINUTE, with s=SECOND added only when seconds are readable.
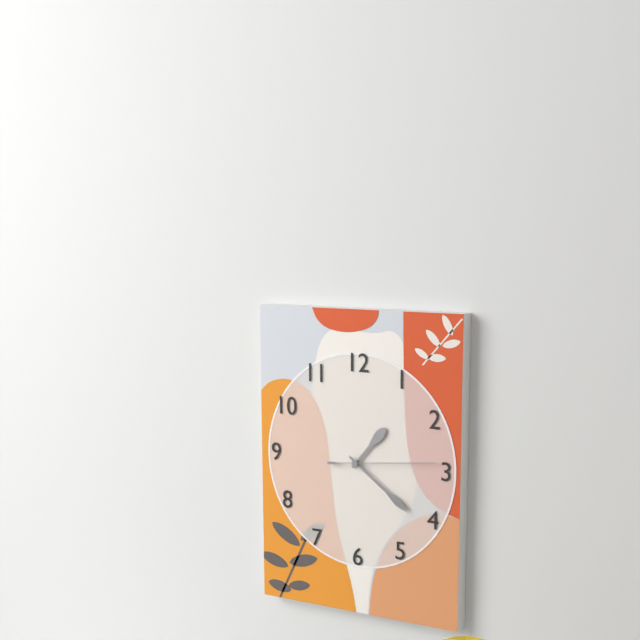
h=1 m=21 s=14
